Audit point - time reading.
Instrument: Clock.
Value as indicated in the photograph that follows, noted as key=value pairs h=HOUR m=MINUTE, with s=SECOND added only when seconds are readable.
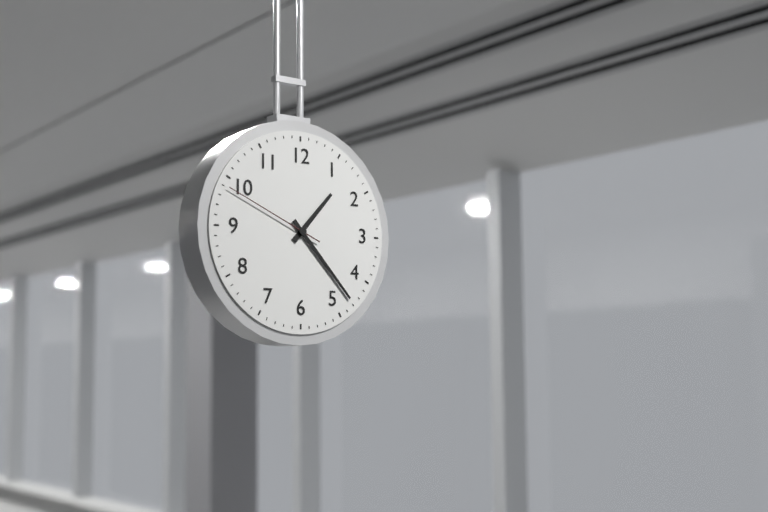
h=1 m=23 s=49
